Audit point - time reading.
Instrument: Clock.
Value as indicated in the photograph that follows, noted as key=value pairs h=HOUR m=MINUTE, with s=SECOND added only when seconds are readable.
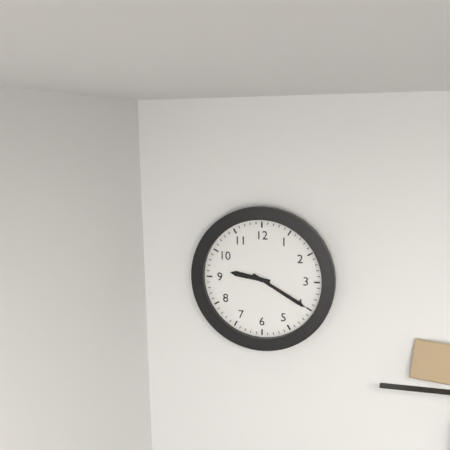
h=9 m=20
